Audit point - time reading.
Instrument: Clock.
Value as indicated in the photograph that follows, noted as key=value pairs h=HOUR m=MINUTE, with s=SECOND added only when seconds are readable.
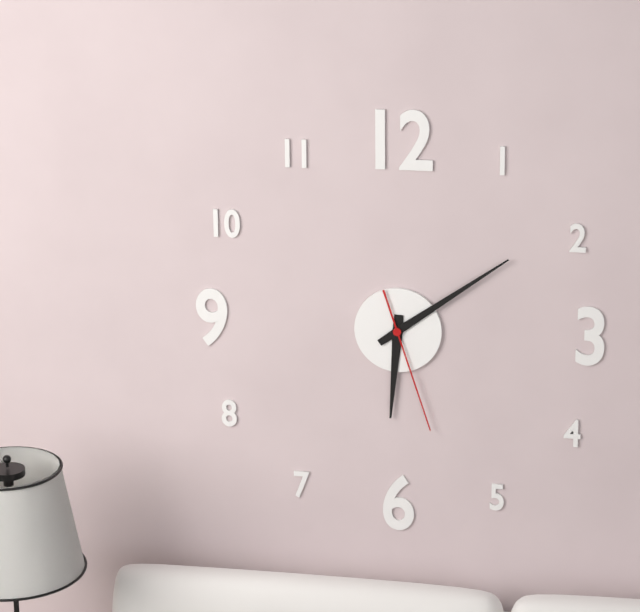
h=6 m=9 s=27
